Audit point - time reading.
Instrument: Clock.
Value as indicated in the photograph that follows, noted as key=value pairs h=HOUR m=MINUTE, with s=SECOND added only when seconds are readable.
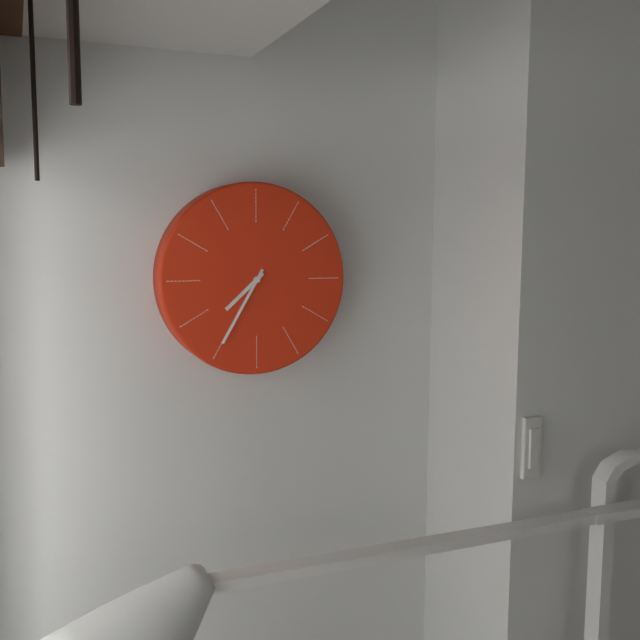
h=7 m=35
